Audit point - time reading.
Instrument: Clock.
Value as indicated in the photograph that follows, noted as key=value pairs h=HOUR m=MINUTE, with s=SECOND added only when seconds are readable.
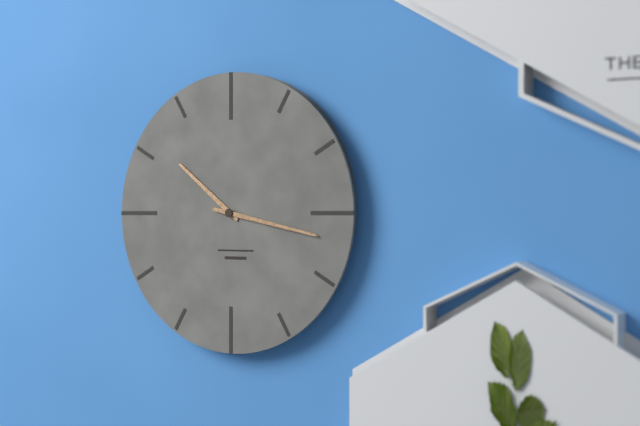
h=10 m=17
